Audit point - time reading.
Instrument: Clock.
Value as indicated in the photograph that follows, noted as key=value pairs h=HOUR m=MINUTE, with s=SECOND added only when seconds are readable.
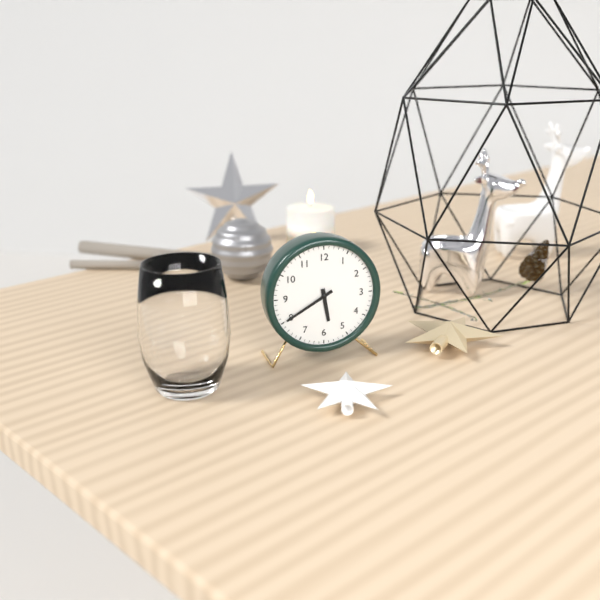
h=5 m=40
